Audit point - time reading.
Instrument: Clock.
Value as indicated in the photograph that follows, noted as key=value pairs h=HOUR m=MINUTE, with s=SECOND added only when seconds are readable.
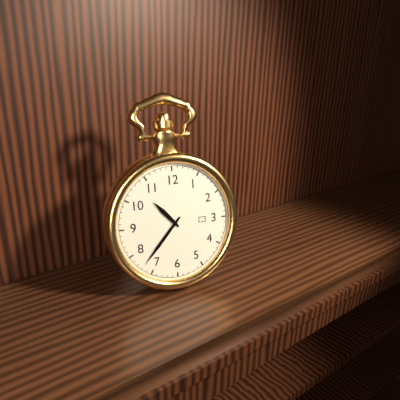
h=10 m=37
